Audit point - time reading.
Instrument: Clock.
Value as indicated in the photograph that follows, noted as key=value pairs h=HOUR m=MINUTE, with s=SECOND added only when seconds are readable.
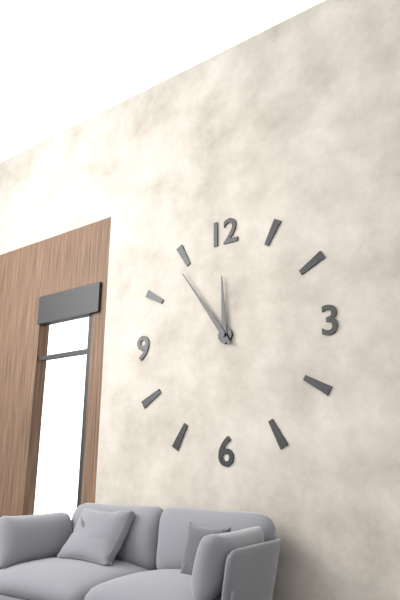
h=11 m=54
